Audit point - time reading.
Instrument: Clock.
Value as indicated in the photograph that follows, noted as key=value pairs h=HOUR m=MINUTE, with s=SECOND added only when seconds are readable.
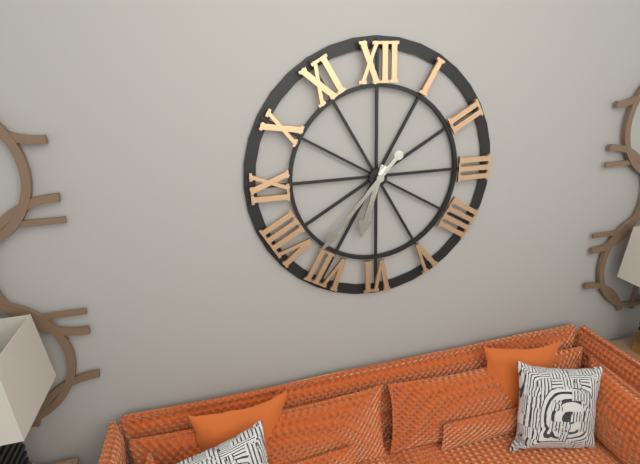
h=6 m=37
